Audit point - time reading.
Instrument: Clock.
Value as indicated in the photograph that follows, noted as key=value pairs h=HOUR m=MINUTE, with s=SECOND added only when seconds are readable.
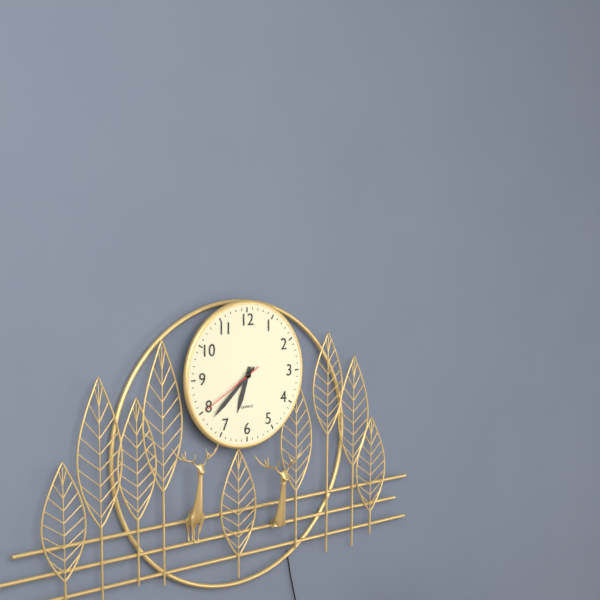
h=6 m=38 s=40
